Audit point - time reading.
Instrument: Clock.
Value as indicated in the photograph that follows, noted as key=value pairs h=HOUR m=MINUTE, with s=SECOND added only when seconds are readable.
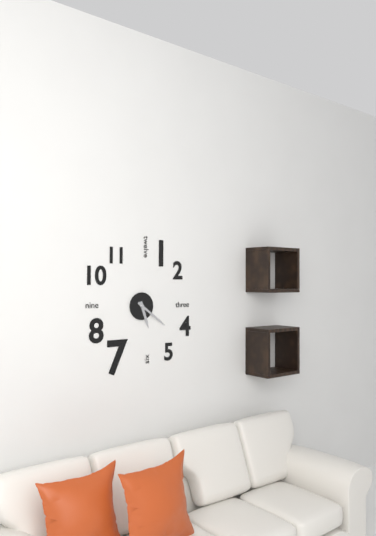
h=5 m=21
